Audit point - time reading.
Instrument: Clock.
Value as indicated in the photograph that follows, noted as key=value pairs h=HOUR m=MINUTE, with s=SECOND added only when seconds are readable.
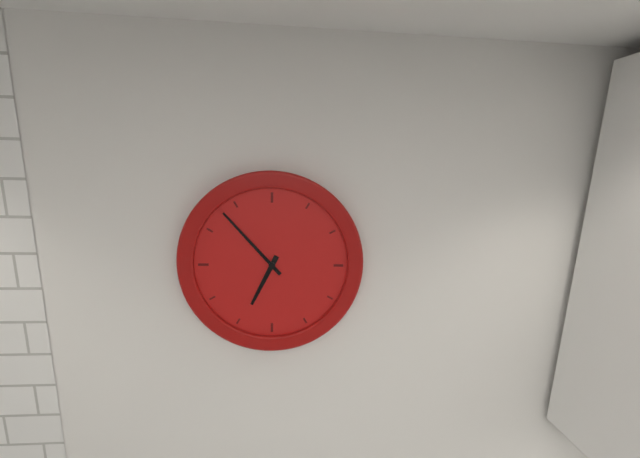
h=6 m=53
